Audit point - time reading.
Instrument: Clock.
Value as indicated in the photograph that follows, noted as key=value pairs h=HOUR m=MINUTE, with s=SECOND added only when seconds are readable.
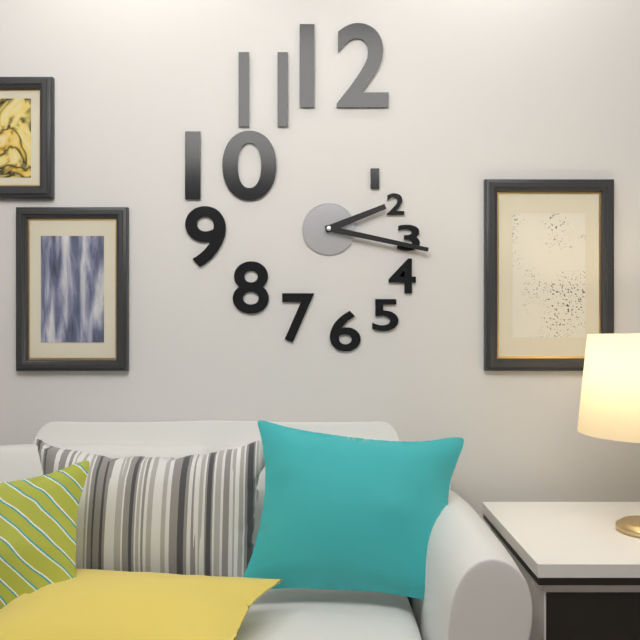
h=2 m=17
